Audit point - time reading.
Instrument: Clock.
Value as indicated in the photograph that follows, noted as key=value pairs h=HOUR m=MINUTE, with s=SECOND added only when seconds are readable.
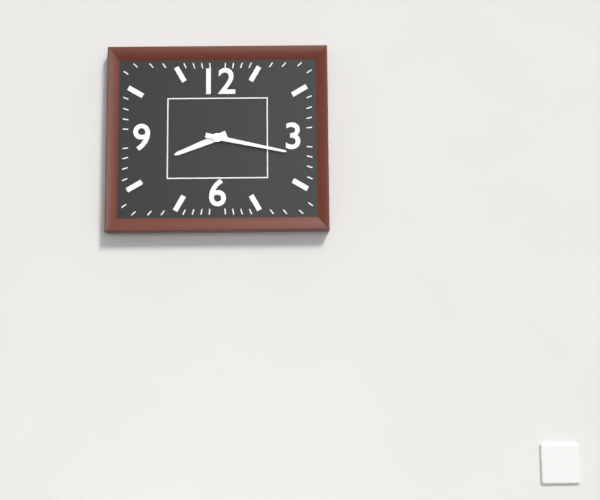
h=8 m=17
